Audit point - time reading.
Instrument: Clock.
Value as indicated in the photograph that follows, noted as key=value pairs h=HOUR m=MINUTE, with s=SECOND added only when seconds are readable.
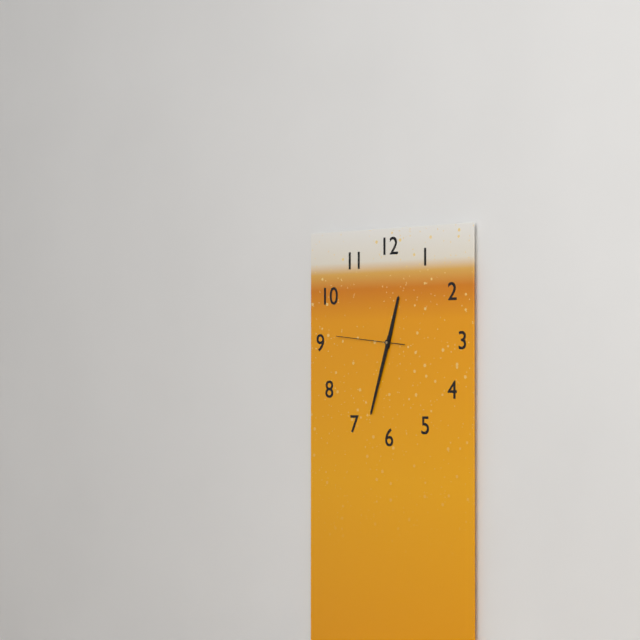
h=12 m=33 s=46
